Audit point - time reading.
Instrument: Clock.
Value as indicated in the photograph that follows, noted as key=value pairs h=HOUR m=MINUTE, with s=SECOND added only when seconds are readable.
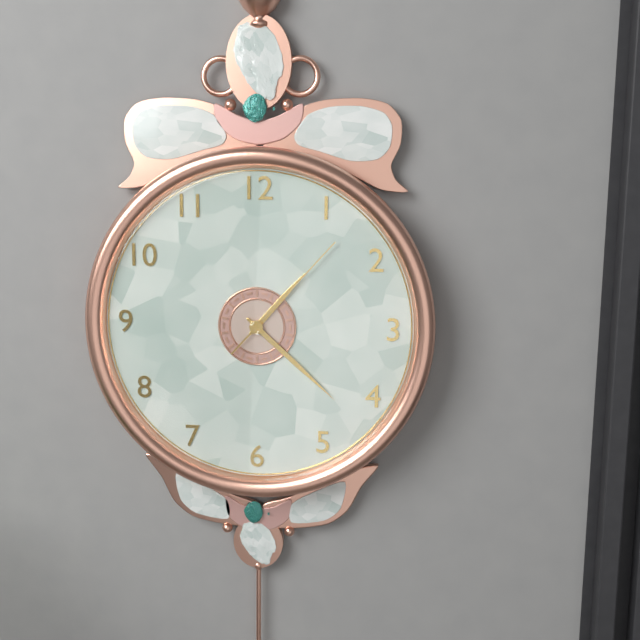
h=1 m=22 s=7
